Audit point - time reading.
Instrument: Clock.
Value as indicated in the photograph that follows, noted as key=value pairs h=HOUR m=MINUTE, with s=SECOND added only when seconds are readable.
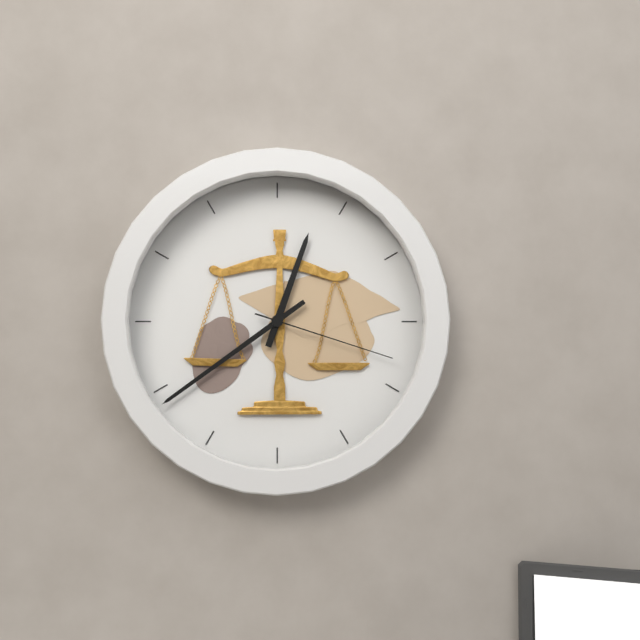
h=12 m=39 s=18
